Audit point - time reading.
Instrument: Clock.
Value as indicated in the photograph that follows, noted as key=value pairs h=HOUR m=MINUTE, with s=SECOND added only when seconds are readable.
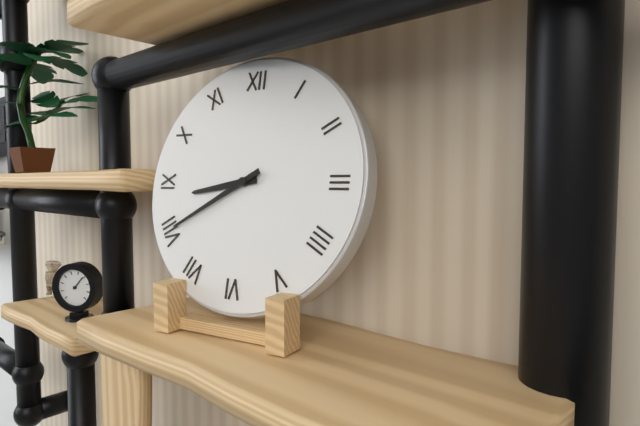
h=8 m=40
